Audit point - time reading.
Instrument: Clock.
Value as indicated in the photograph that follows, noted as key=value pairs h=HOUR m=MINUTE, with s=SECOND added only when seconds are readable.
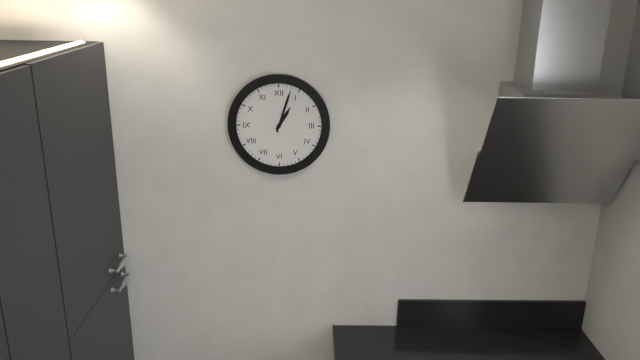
h=1 m=3
